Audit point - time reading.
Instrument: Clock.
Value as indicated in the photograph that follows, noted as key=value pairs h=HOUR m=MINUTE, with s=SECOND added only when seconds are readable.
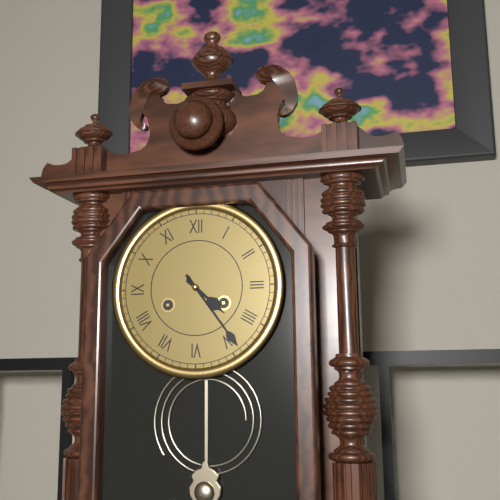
h=4 m=24
